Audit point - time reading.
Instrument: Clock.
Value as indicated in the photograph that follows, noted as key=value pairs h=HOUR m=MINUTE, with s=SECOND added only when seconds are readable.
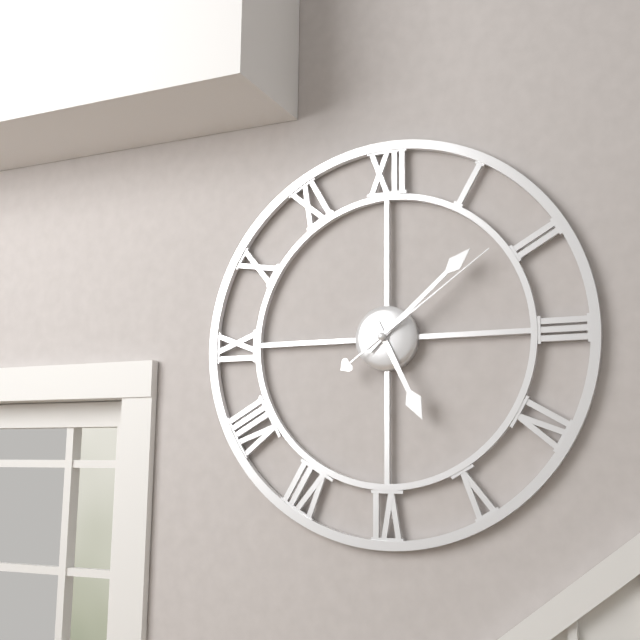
h=5 m=8 s=9
